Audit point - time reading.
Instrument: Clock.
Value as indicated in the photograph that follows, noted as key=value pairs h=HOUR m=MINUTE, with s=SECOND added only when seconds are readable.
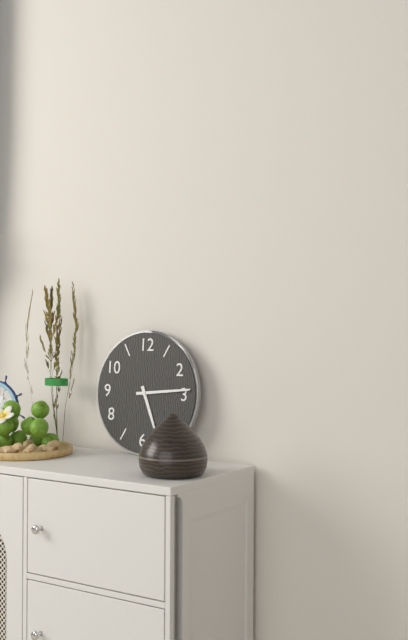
h=5 m=14
